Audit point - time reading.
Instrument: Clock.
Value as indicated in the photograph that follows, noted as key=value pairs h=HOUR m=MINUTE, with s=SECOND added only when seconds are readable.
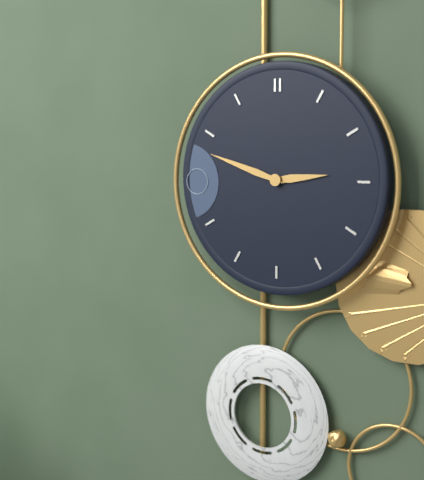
h=2 m=48
